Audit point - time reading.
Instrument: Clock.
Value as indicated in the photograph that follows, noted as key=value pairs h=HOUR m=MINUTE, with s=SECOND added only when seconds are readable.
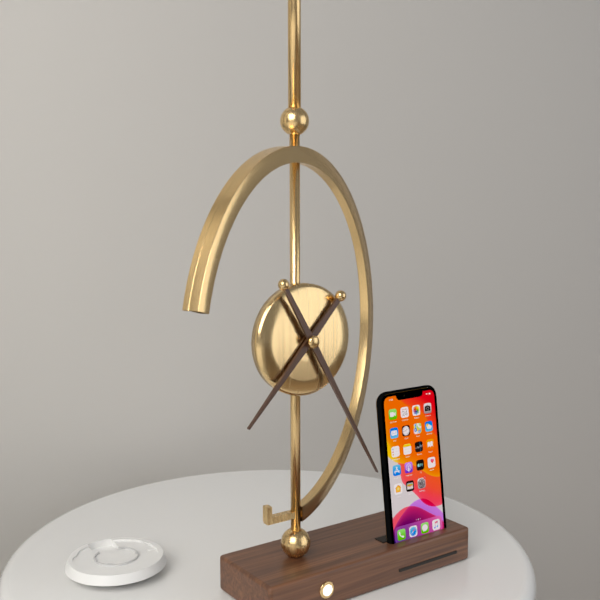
h=7 m=25
